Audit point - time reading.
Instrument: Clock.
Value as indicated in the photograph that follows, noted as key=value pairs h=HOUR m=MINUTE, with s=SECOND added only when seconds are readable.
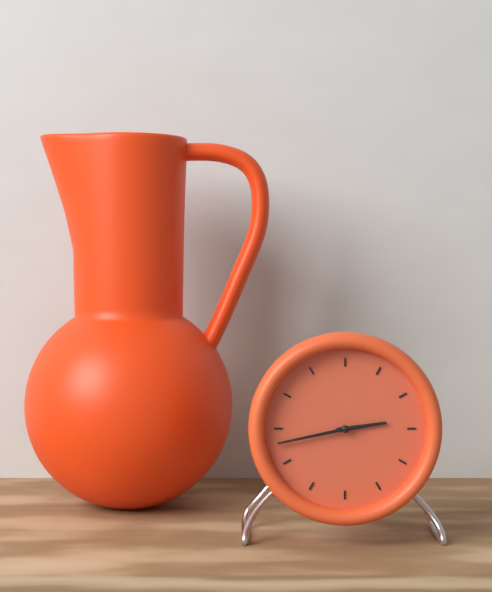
h=2 m=43 s=43
